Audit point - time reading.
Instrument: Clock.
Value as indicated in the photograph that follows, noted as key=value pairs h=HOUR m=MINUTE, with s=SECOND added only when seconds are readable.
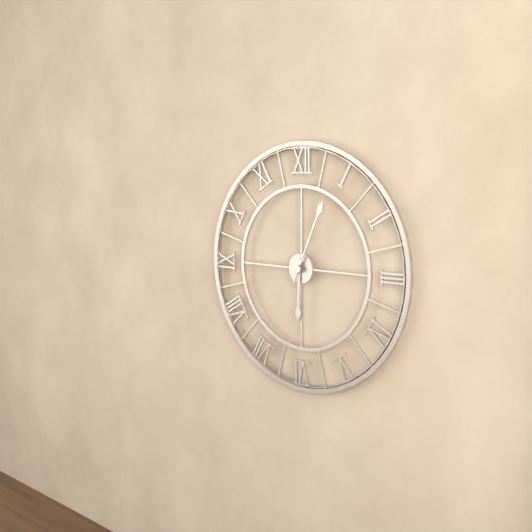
h=6 m=4
